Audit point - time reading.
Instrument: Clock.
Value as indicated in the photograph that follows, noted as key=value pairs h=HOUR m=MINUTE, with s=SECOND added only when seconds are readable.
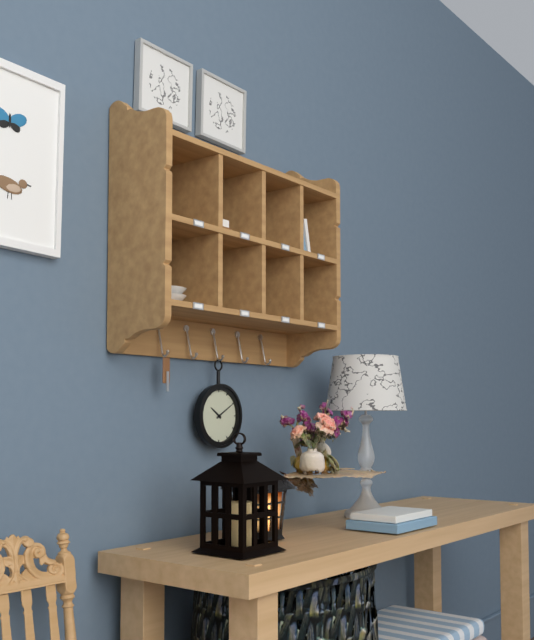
h=10 m=10
